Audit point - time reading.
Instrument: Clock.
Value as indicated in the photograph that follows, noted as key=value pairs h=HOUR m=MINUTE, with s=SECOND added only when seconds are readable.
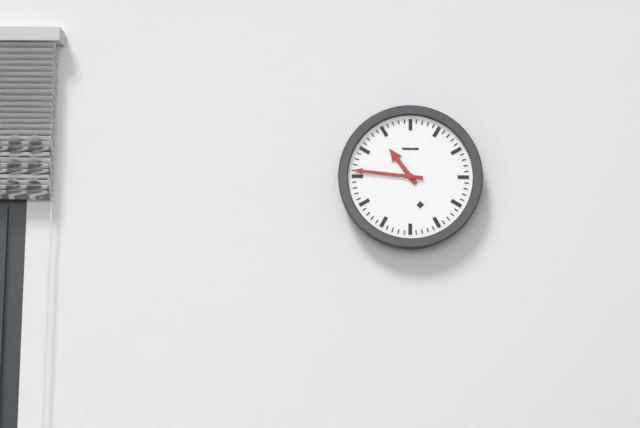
h=10 m=46
